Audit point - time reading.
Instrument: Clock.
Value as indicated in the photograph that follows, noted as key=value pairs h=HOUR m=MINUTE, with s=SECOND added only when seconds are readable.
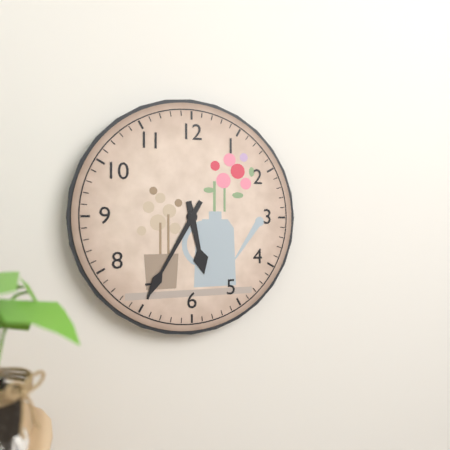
h=5 m=35
